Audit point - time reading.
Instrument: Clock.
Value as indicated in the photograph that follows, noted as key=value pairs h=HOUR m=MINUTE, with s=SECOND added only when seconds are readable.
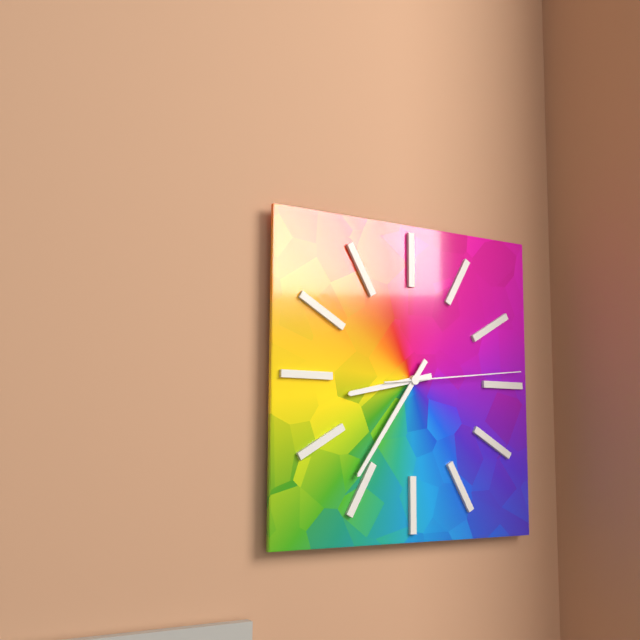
h=8 m=36 s=14
